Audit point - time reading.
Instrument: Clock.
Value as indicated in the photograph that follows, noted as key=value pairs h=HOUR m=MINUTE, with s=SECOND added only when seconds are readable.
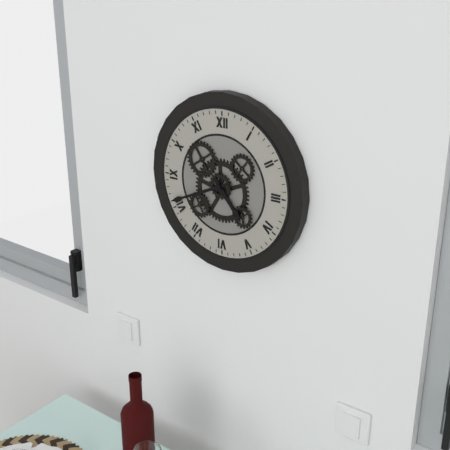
h=4 m=41
